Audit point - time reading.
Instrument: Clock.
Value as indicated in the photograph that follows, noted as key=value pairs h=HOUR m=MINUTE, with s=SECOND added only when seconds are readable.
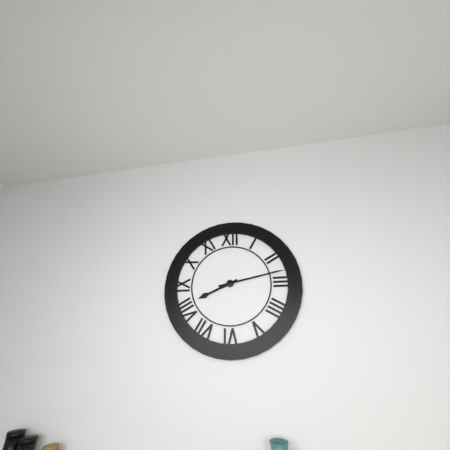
h=8 m=13
